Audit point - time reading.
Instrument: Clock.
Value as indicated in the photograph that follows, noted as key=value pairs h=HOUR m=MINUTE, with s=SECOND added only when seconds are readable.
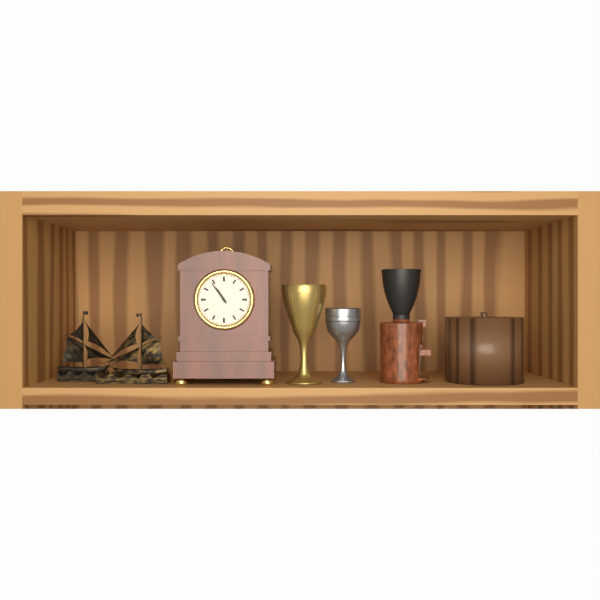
h=10 m=54
